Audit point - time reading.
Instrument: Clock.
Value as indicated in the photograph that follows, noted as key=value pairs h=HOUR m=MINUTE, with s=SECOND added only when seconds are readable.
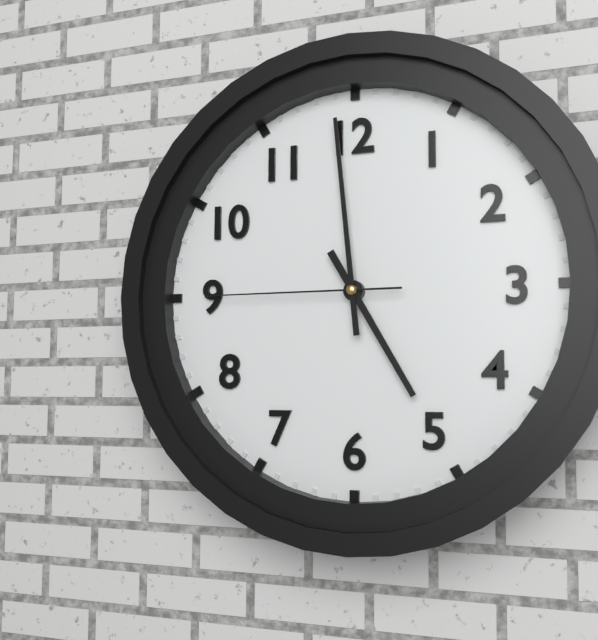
h=4 m=59 s=45
